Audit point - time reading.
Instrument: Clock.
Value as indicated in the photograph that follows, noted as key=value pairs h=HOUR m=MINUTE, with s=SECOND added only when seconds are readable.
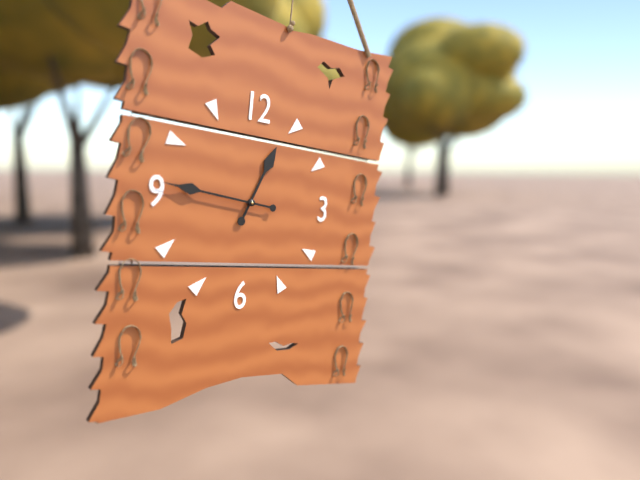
h=12 m=46
